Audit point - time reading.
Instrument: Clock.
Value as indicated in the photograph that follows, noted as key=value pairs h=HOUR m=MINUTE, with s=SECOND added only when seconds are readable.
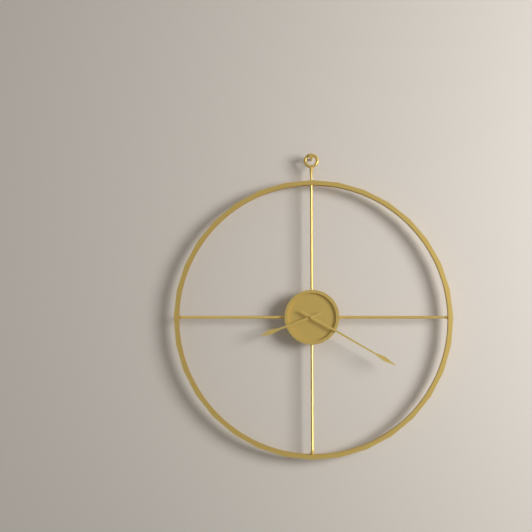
h=8 m=20
